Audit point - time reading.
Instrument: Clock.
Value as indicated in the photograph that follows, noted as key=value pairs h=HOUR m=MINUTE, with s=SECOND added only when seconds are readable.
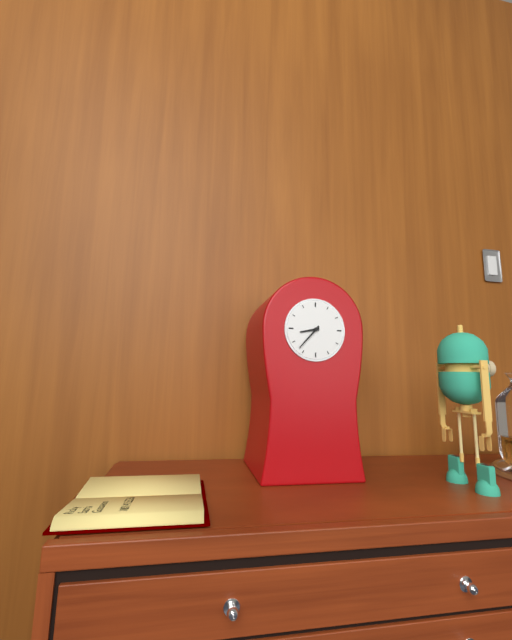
h=8 m=37
